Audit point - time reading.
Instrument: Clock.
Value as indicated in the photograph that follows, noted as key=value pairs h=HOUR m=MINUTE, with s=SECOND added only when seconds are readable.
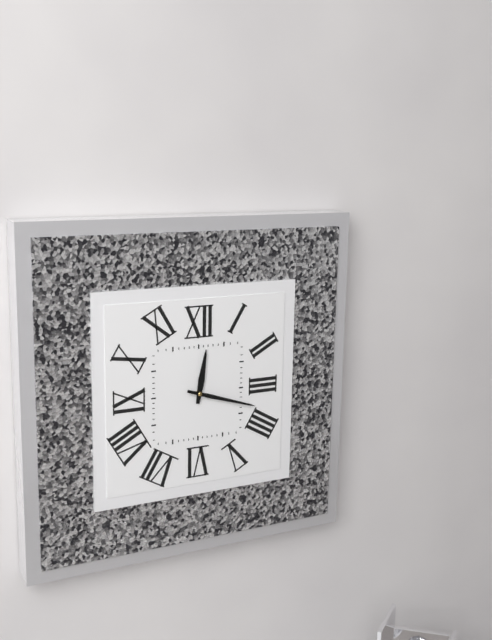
h=12 m=18
